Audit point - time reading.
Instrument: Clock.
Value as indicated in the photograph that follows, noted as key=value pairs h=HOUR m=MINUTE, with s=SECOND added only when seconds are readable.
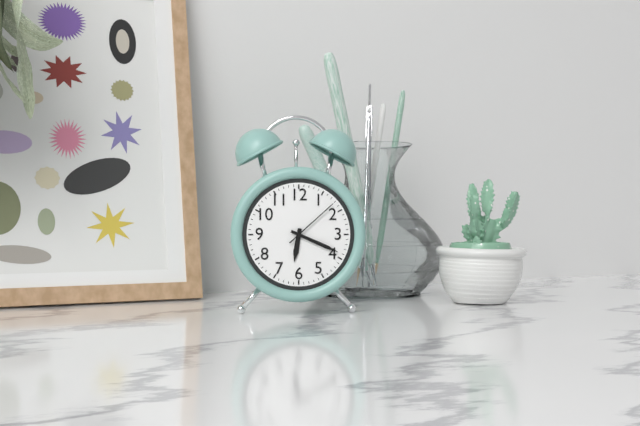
h=6 m=19 s=8
